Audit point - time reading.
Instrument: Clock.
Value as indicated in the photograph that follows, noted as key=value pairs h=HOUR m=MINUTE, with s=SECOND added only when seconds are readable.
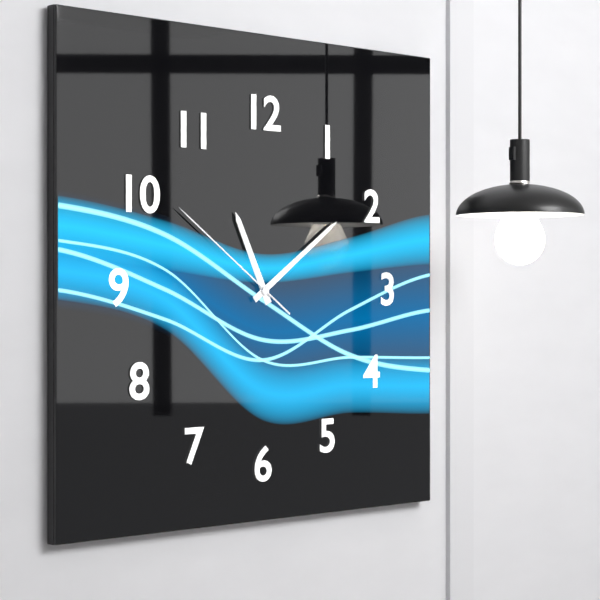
h=11 m=9 s=51
